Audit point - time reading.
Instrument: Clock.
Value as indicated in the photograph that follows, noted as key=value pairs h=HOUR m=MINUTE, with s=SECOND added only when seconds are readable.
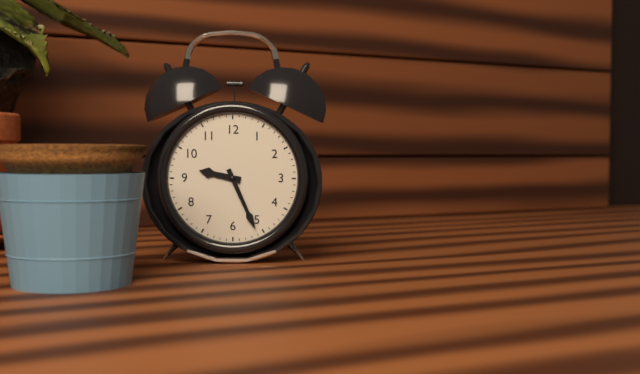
h=9 m=26
